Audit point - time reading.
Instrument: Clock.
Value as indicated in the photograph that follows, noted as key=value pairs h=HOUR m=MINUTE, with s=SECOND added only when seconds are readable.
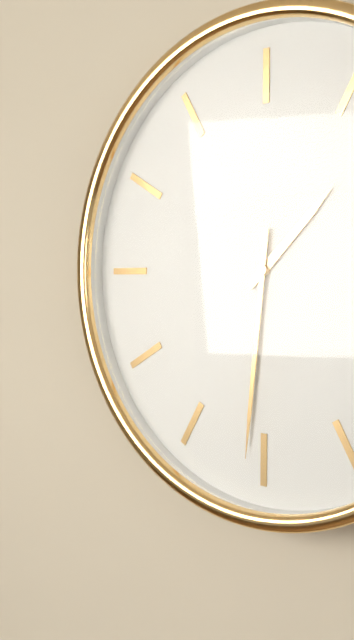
h=1 m=31
